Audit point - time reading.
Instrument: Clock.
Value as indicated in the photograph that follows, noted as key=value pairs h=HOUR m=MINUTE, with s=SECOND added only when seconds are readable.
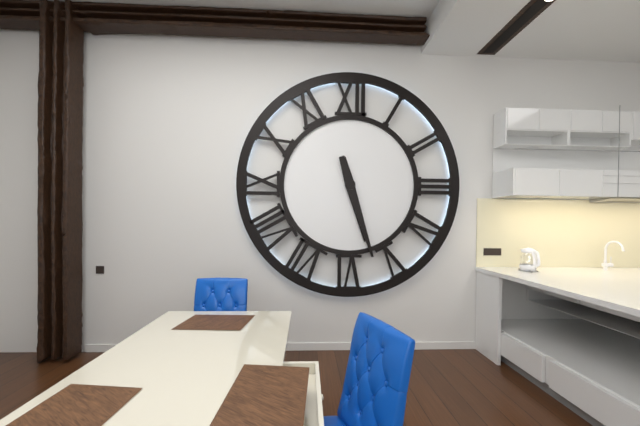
h=5 m=27
